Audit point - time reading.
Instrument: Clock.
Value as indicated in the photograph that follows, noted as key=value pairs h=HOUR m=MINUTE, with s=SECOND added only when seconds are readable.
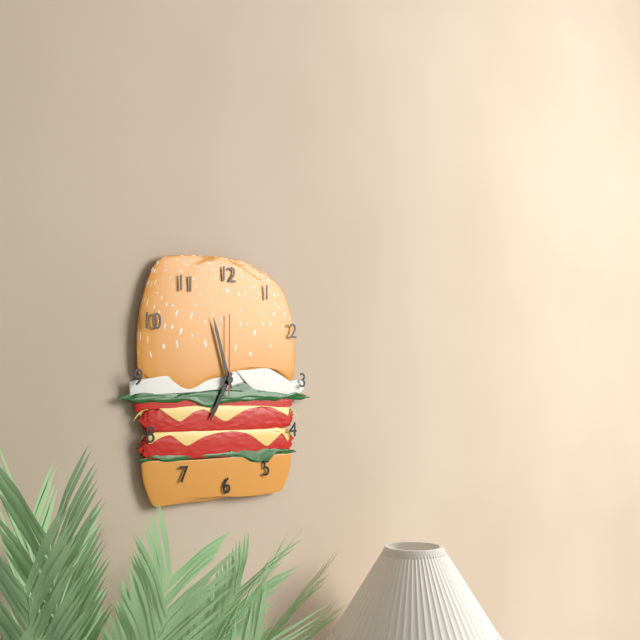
h=6 m=57 s=0
